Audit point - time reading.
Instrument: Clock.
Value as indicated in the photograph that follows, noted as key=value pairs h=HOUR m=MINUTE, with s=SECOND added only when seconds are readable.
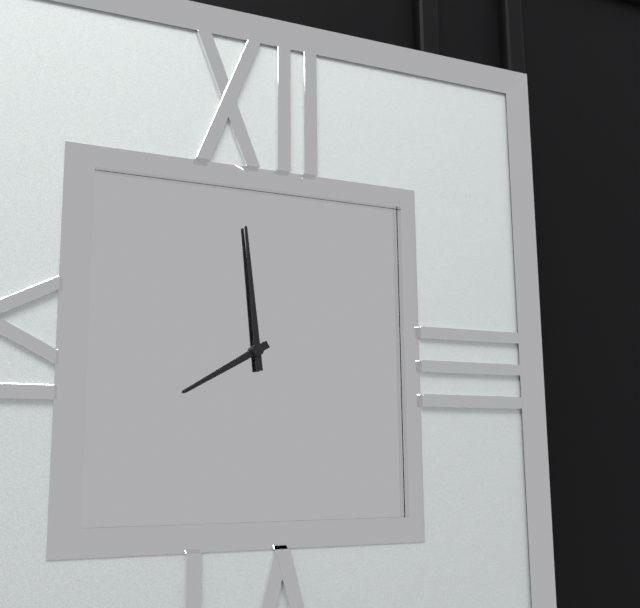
h=7 m=59
